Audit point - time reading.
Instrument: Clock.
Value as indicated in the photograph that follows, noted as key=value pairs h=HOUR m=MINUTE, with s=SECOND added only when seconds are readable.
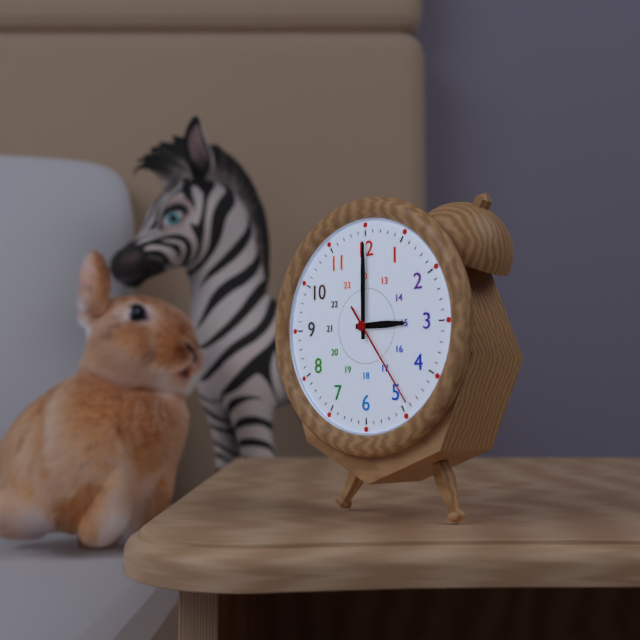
h=3 m=0 s=24
